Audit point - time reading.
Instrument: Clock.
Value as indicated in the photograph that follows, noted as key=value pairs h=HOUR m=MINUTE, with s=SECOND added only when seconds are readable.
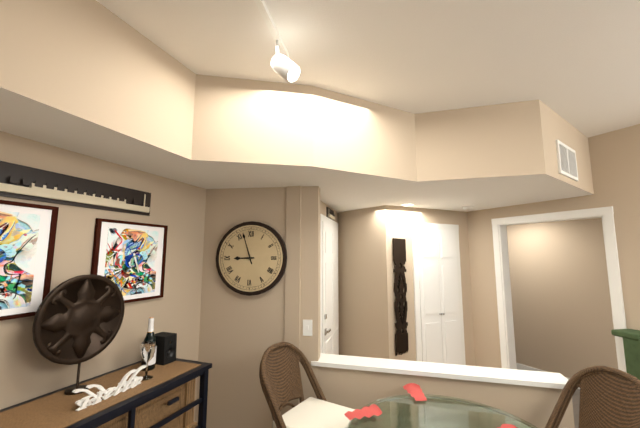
h=8 m=57
